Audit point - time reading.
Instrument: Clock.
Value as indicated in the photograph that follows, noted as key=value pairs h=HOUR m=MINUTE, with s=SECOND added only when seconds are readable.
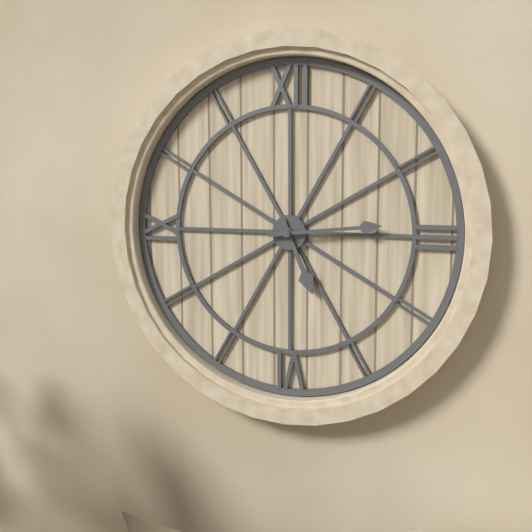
h=5 m=14
